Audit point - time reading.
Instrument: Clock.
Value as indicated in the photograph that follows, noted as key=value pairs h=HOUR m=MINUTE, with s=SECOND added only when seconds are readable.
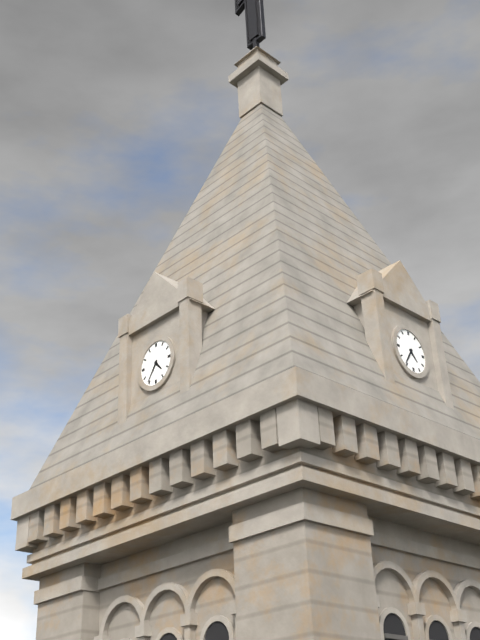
h=4 m=36
